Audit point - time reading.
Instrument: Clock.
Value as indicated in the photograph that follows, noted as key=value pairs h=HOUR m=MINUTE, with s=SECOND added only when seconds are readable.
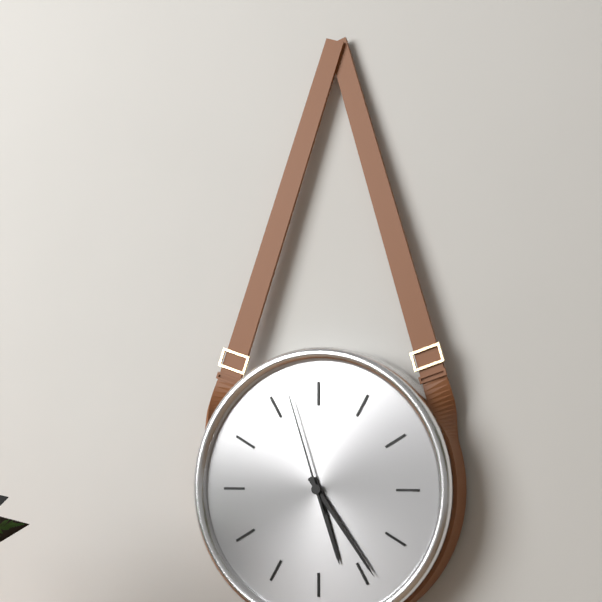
h=5 m=24 s=57
